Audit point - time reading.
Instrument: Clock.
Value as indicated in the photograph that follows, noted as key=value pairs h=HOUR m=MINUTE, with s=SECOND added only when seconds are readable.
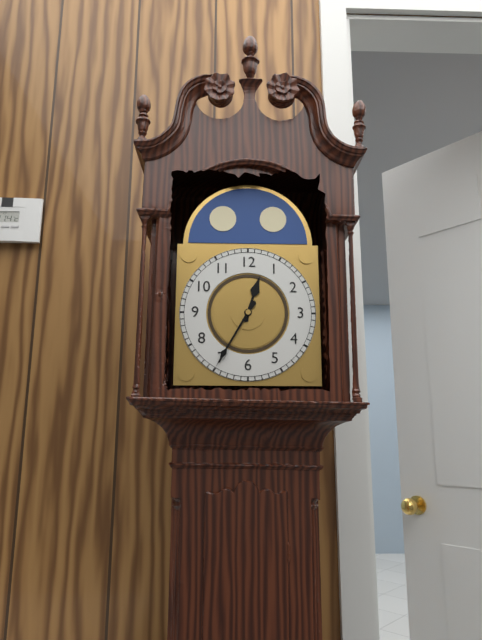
h=12 m=35
